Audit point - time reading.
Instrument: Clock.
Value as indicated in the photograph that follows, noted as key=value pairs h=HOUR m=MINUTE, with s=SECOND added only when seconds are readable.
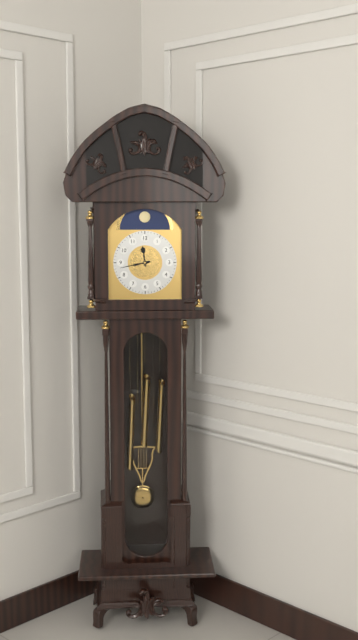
h=11 m=43
